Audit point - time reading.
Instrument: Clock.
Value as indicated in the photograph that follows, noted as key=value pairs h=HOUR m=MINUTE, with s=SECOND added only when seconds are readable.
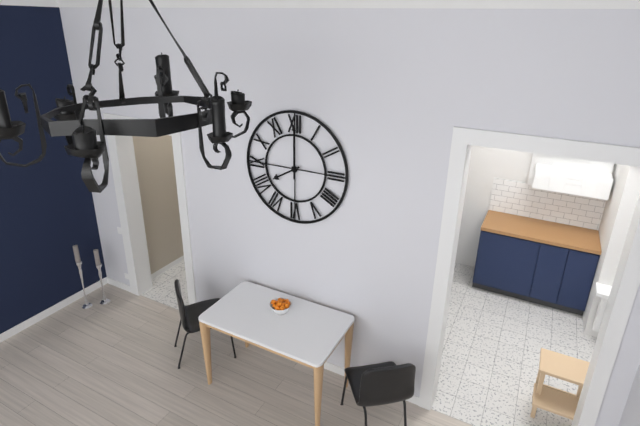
h=8 m=0
